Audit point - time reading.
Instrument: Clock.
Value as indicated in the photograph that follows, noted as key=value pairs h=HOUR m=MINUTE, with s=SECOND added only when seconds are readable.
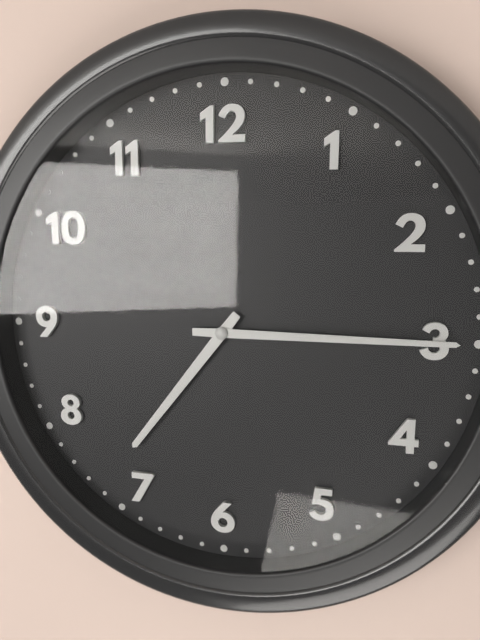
h=7 m=15
